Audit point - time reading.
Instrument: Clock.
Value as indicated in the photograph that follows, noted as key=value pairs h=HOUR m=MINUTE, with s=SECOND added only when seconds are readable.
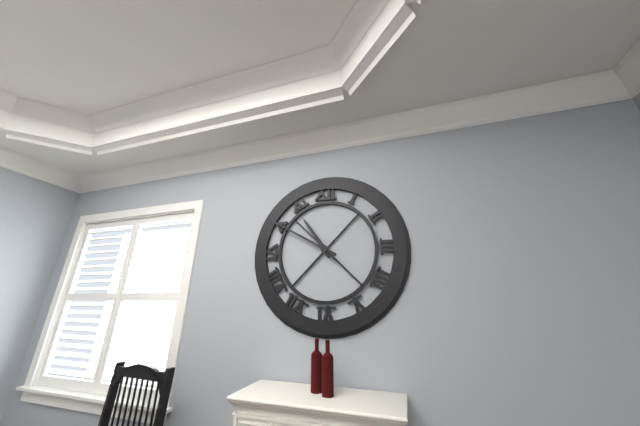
h=10 m=50
